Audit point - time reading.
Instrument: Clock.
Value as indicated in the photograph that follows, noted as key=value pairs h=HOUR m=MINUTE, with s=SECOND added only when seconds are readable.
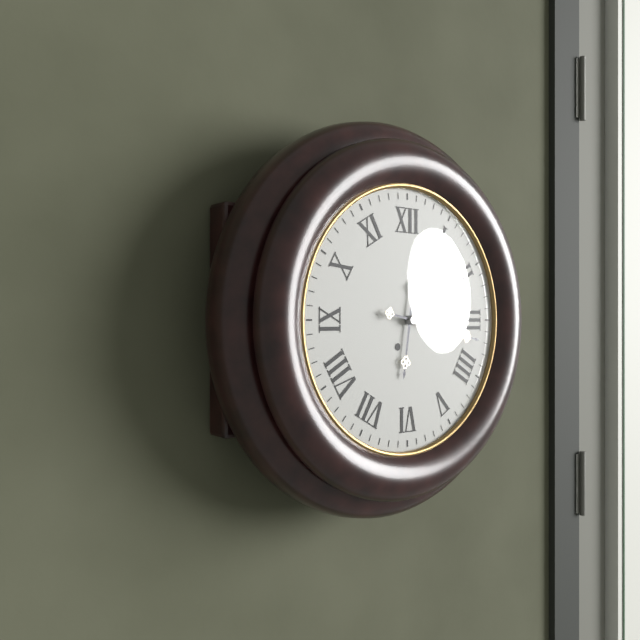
h=6 m=17
